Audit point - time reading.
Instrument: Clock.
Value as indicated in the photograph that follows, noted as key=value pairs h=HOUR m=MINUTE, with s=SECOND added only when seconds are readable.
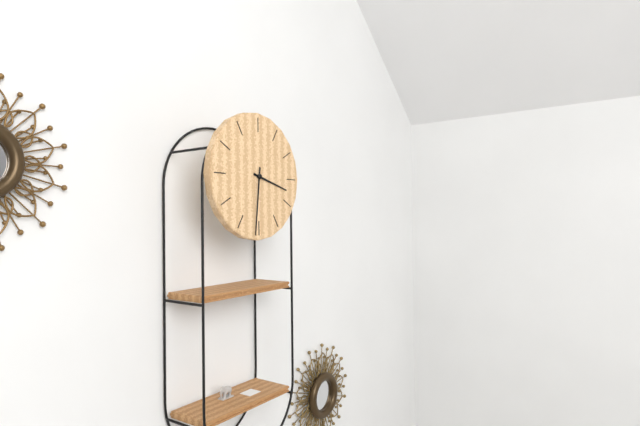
h=3 m=31
